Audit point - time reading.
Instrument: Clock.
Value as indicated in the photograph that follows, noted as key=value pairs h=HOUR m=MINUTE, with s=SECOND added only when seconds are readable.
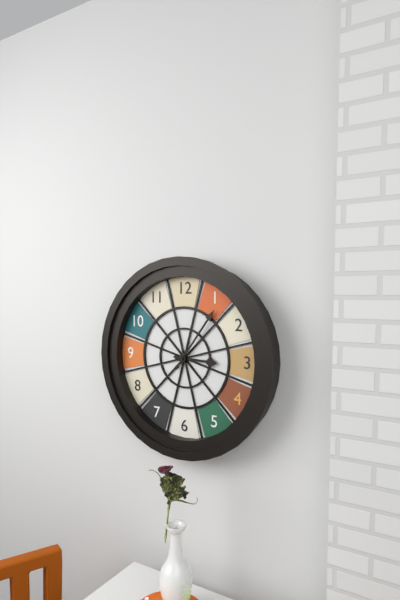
h=3 m=6
